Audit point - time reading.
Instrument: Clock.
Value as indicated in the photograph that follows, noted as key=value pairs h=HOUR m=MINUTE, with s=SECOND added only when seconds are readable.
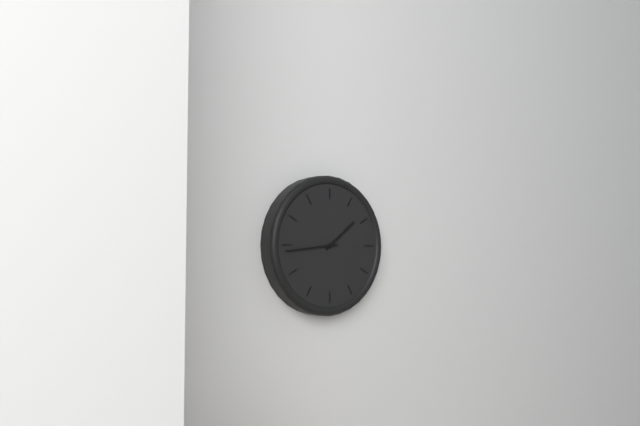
h=1 m=44
